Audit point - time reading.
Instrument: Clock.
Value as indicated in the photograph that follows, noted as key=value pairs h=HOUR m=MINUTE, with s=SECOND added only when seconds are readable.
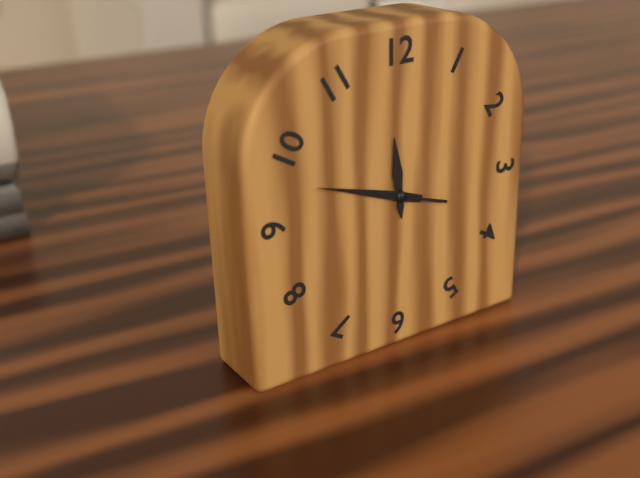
h=11 m=48 s=48
